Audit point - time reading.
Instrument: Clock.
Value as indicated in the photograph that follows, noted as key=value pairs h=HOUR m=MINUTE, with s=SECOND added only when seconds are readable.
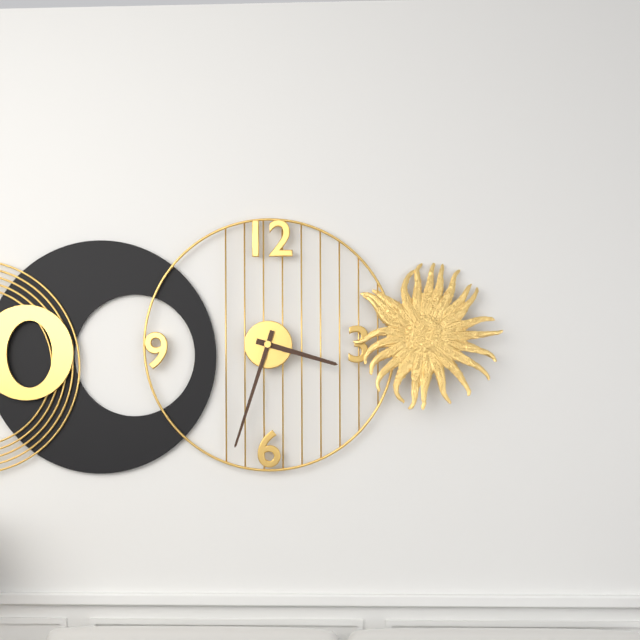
h=3 m=33
